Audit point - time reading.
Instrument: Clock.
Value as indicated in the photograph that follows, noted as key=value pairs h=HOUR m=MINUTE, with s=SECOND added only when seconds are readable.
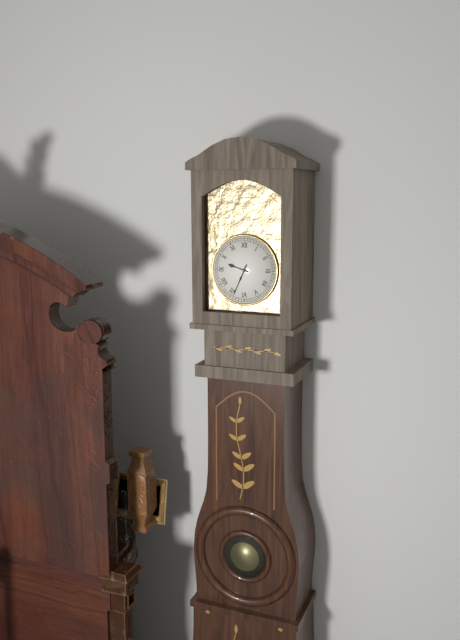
h=9 m=34
